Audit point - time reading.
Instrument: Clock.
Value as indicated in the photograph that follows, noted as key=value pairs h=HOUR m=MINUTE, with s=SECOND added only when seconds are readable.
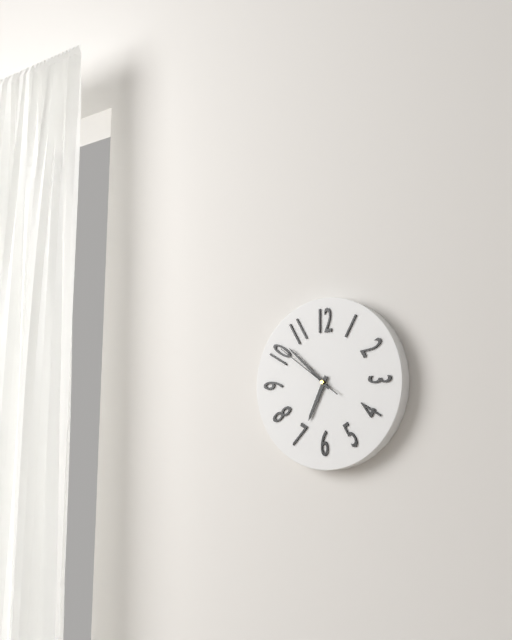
h=6 m=52 s=51
